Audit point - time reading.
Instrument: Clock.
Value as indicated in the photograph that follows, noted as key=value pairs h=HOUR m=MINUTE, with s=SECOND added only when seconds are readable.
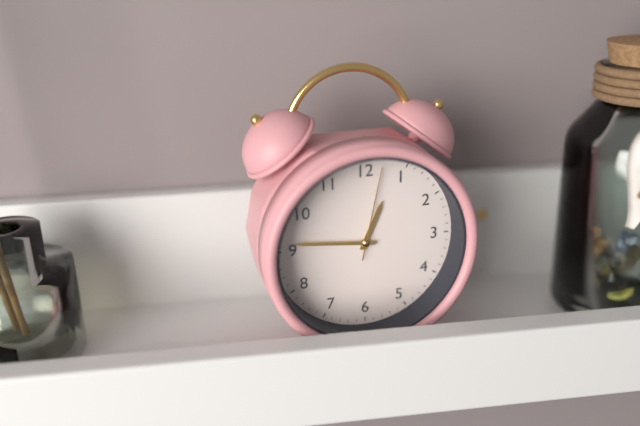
h=12 m=46 s=2
